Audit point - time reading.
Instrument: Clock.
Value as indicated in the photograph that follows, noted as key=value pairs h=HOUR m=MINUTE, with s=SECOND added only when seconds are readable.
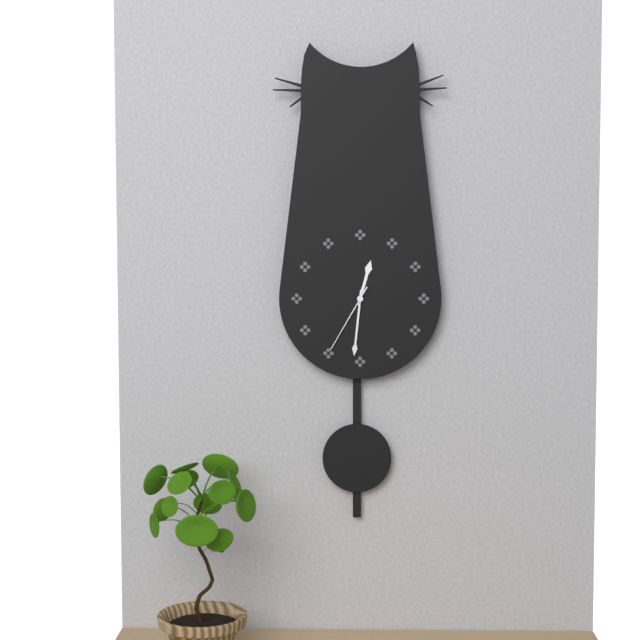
h=12 m=31 s=35
